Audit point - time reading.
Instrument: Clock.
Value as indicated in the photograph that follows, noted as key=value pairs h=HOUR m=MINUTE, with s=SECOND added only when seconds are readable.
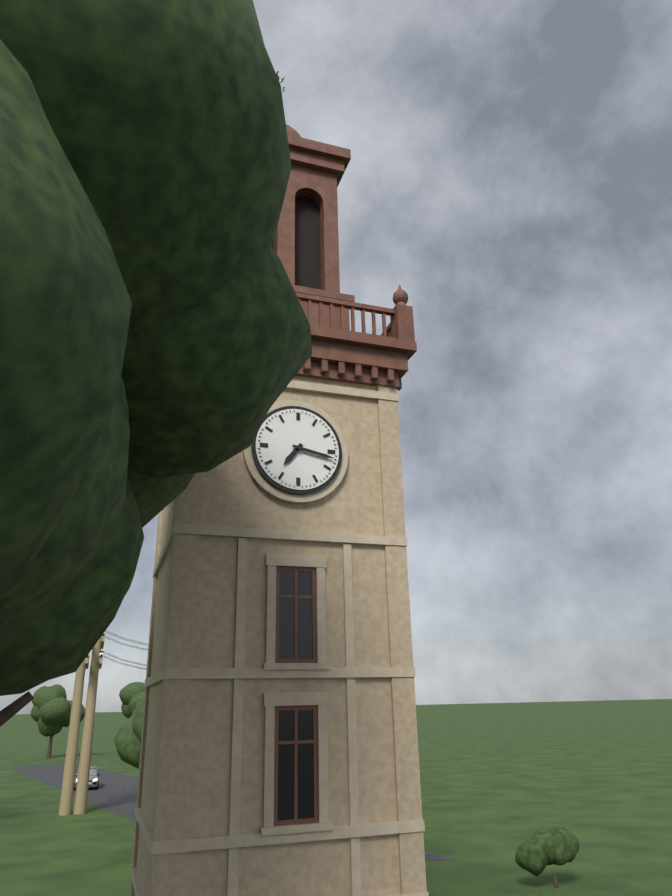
h=7 m=17
